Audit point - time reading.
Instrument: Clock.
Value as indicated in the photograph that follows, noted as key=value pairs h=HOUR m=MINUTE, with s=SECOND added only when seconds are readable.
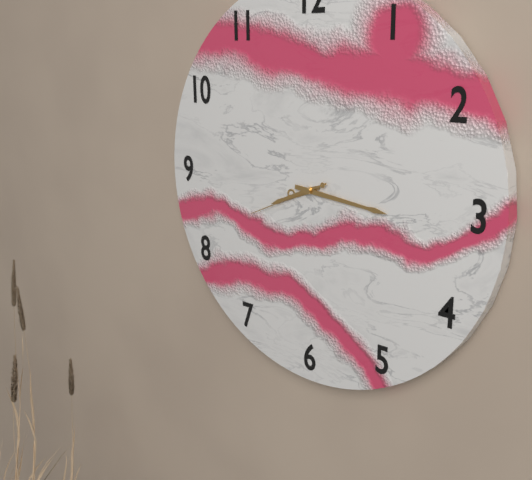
h=8 m=16 s=41
